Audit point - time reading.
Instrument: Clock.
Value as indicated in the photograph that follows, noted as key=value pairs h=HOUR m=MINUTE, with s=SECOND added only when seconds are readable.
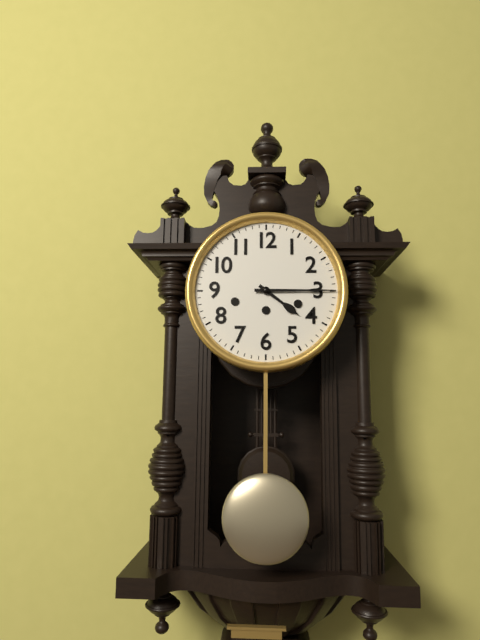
h=4 m=15
